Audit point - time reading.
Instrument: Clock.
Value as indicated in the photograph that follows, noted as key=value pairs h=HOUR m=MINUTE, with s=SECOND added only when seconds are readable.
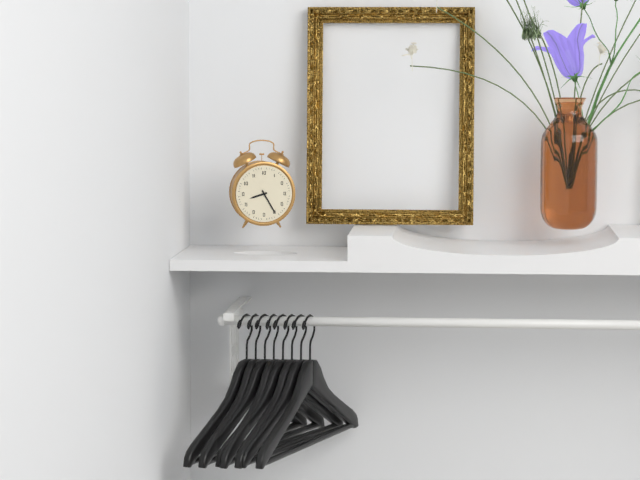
h=8 m=25
